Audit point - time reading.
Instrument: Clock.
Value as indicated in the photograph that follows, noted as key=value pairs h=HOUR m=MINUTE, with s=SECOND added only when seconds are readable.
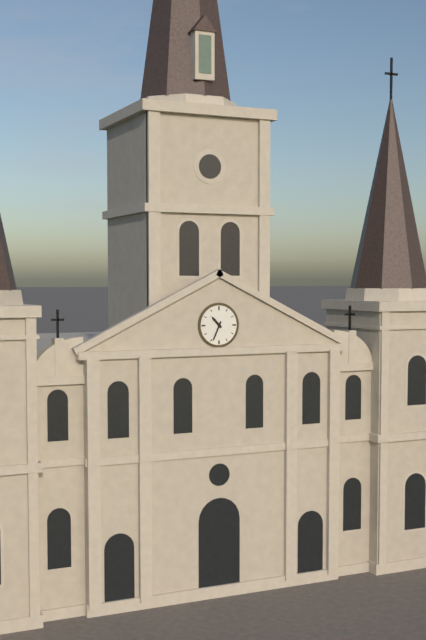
h=10 m=34
